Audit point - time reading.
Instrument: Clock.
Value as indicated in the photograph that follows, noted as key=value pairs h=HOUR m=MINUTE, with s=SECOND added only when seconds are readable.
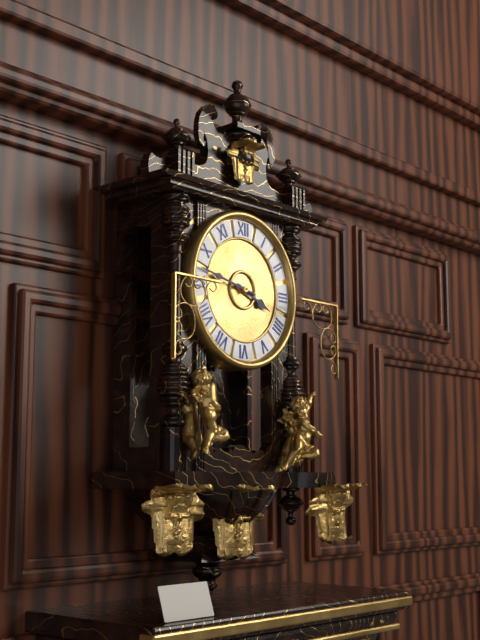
h=3 m=47
